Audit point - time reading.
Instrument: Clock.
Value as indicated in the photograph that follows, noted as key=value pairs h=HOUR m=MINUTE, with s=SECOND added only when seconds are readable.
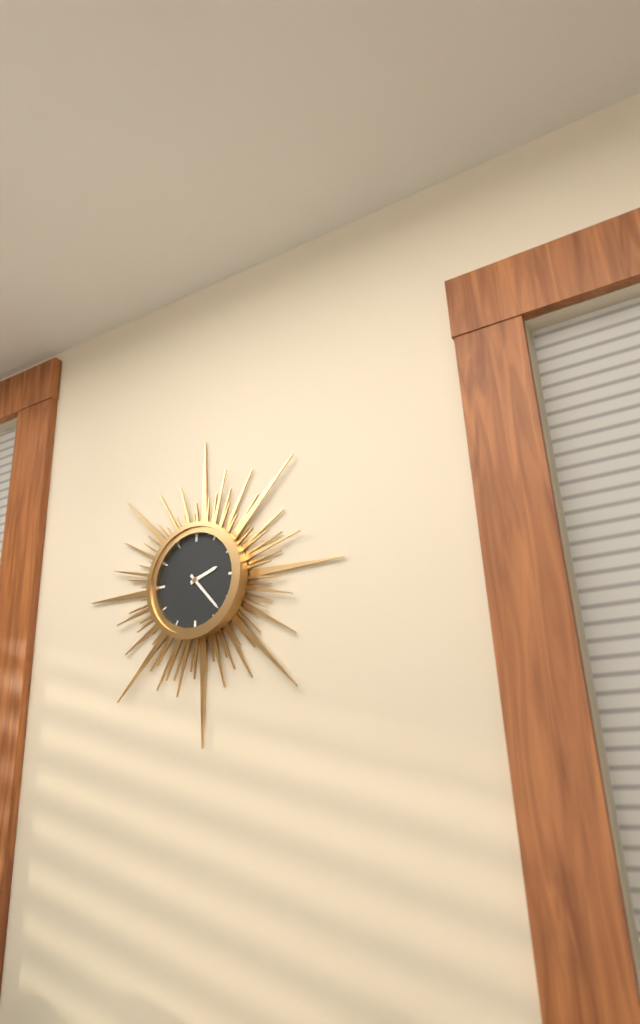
h=2 m=23
